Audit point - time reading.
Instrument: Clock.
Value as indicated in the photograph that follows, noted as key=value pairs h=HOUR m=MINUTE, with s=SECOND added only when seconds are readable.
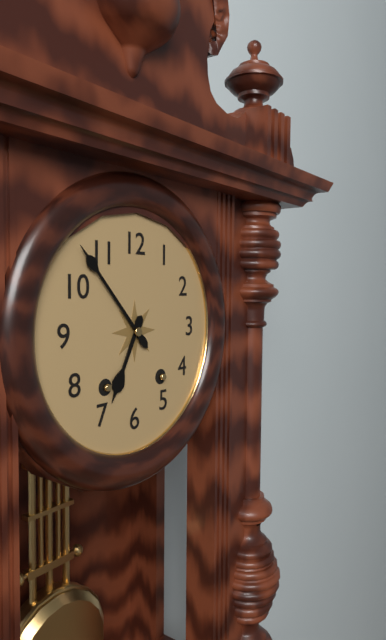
h=6 m=53
